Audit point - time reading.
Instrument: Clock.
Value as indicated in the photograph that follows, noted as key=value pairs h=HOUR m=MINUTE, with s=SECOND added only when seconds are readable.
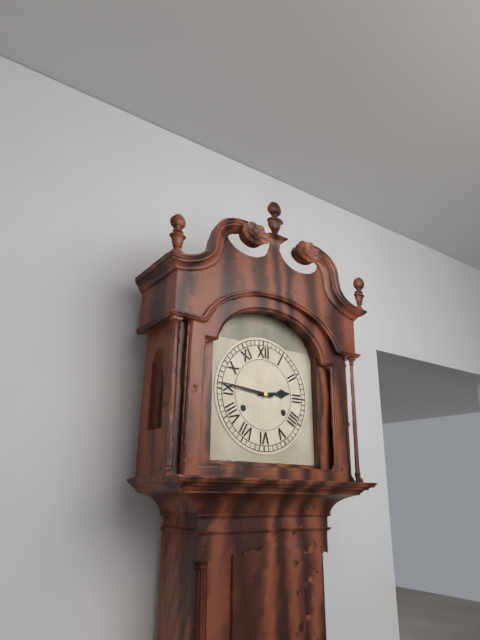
h=2 m=46
